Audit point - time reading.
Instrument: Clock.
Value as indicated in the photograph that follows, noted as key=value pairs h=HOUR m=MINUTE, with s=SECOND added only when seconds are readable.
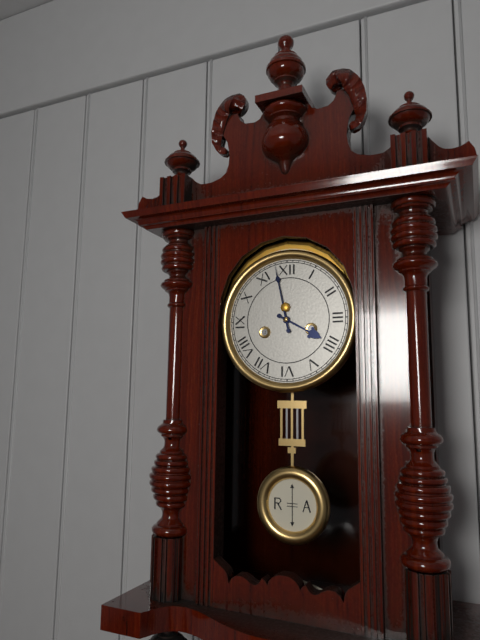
h=3 m=58
